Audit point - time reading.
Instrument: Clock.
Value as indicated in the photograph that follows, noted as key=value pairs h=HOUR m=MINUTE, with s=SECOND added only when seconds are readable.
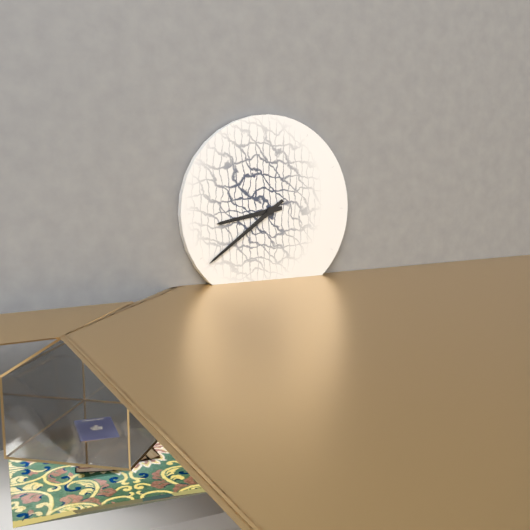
h=8 m=39
